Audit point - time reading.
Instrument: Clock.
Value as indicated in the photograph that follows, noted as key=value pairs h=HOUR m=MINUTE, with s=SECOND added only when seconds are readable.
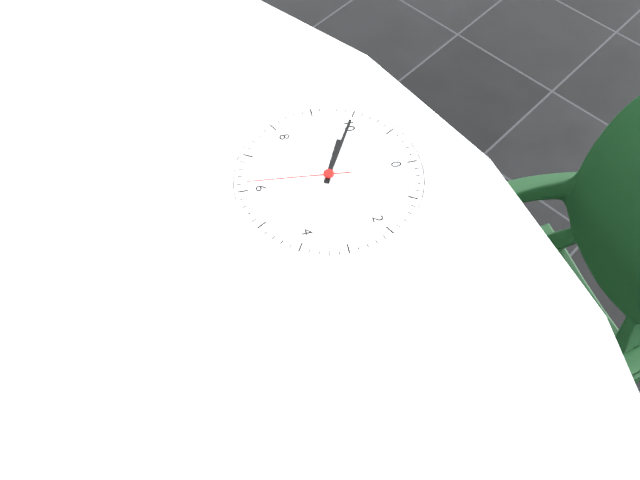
h=9 m=50 s=31
